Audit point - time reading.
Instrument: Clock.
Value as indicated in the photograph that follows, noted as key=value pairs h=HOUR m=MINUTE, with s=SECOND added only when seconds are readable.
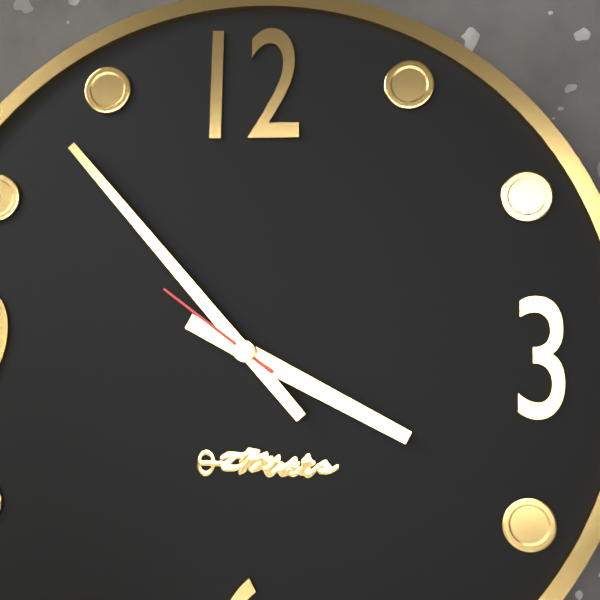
h=3 m=53 s=51
